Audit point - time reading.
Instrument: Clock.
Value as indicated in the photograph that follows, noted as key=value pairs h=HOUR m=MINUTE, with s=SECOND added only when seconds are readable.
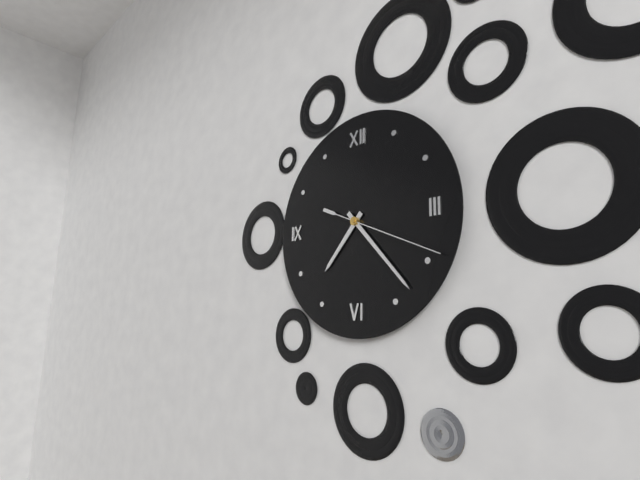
h=7 m=23 s=19
